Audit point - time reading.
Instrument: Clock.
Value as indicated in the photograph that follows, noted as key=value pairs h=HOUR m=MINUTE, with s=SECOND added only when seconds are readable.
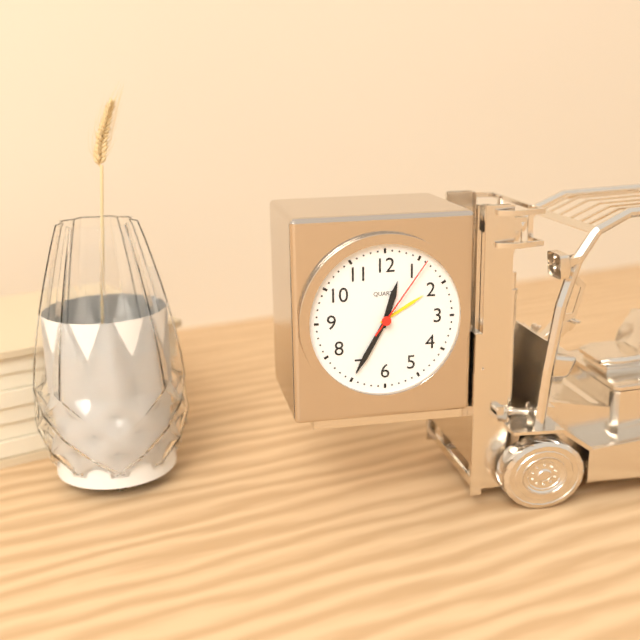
h=12 m=35 s=6
